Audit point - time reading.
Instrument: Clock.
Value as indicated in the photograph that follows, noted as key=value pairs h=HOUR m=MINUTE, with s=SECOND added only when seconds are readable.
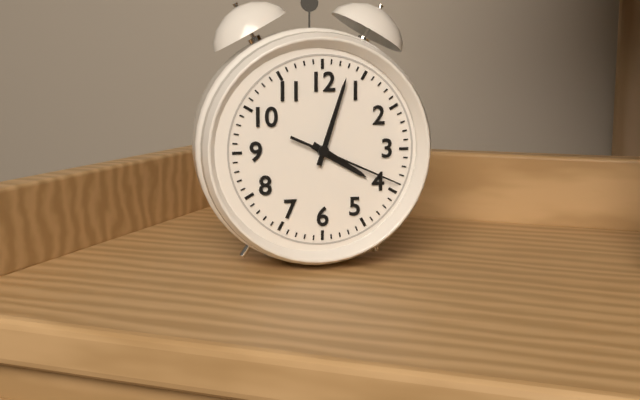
h=4 m=3 s=19
